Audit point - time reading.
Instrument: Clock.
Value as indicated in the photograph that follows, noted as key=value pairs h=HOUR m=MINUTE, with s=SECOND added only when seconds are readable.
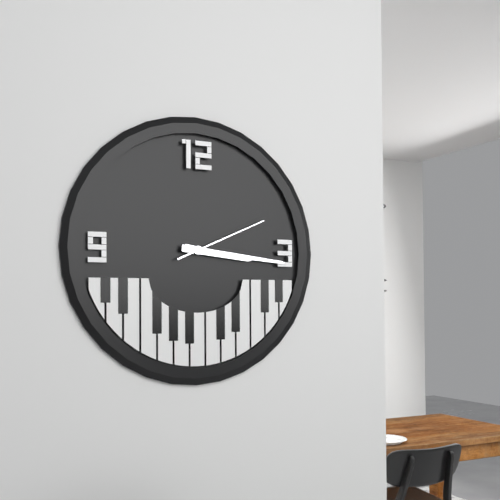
h=3 m=16 s=11
